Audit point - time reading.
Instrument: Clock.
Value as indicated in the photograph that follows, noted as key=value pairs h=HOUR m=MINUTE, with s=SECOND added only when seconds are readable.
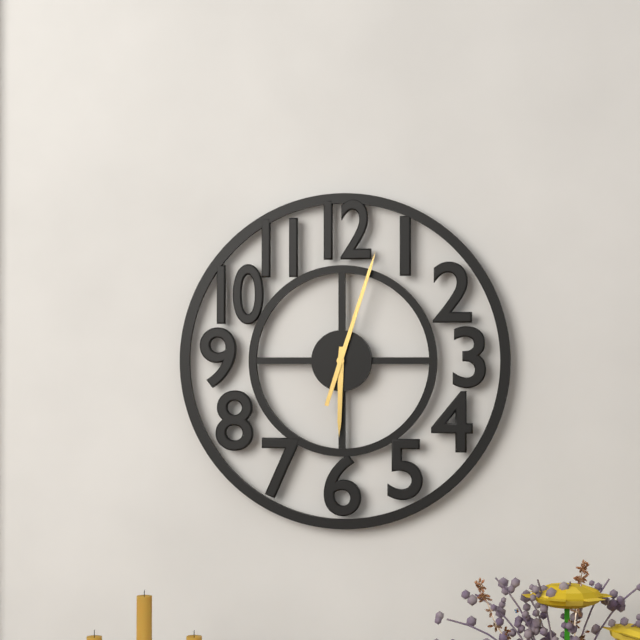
h=6 m=3
